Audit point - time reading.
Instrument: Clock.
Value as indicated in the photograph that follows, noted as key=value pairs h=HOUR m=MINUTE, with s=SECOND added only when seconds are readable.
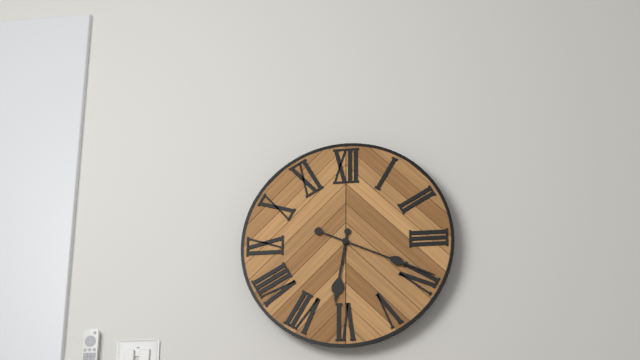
h=6 m=19
